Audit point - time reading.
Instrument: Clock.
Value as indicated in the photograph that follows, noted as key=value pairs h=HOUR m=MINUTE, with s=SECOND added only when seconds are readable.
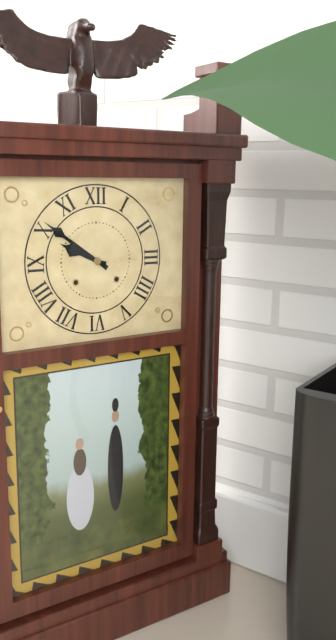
h=9 m=51
